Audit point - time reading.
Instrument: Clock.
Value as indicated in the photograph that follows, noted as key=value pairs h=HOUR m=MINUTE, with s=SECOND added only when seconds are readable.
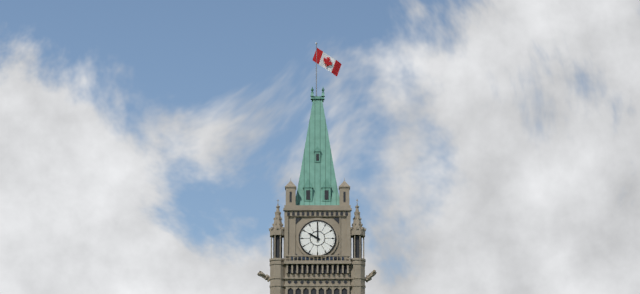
h=10 m=0
